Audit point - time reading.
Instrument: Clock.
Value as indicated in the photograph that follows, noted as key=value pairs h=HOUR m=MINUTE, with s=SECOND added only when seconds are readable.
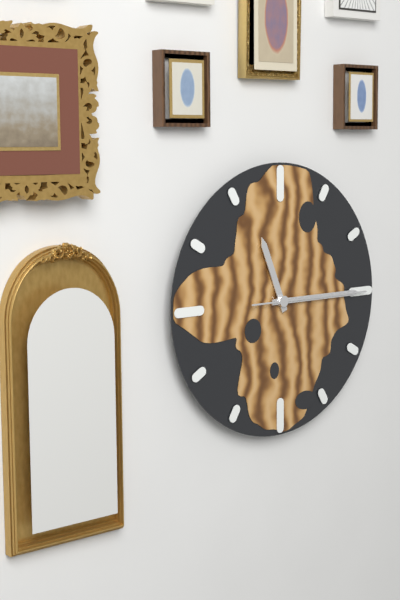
h=11 m=15 s=15
